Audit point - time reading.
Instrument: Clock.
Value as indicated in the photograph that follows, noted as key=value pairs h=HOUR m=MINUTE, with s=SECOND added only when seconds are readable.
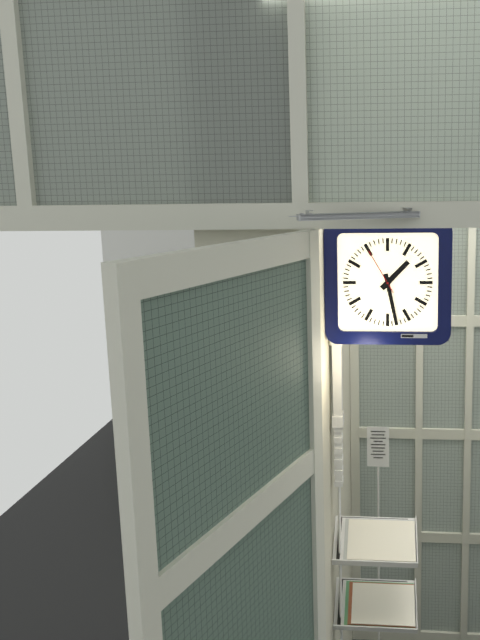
h=1 m=28
